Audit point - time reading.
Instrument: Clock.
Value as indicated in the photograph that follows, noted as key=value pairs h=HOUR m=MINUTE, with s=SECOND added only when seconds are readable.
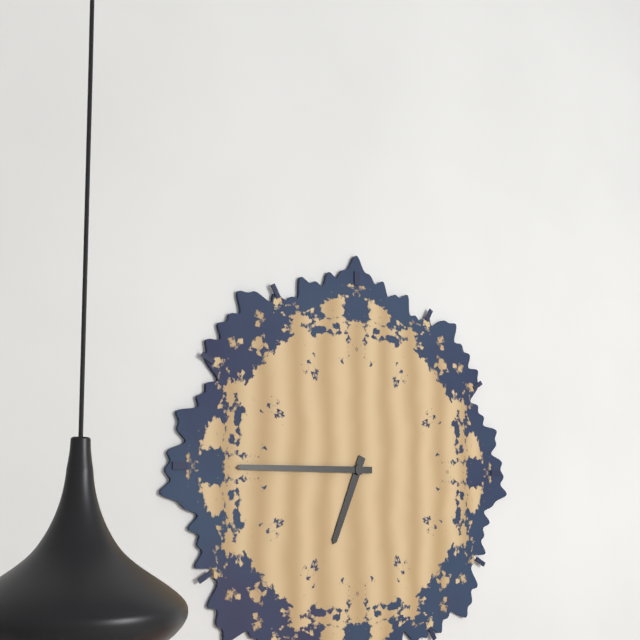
h=6 m=45
